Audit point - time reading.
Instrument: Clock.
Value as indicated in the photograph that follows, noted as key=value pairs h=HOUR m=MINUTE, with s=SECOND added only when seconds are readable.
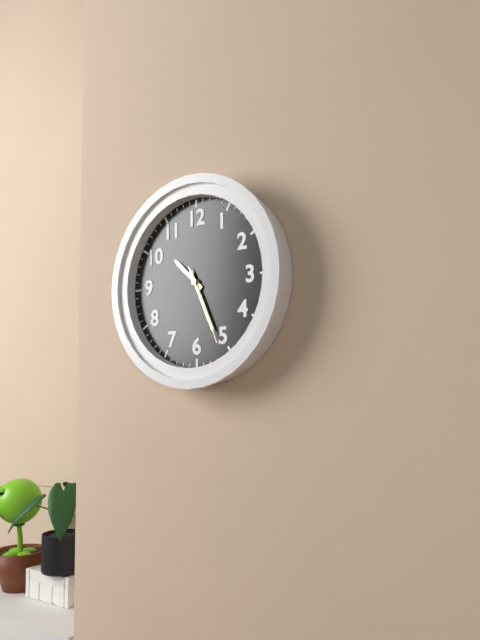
h=10 m=26 s=26
